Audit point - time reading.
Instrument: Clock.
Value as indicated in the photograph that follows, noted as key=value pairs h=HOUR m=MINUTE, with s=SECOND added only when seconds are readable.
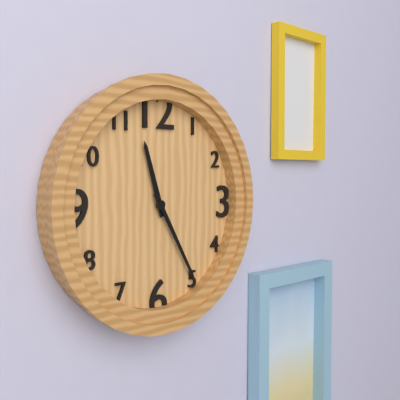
h=11 m=25
